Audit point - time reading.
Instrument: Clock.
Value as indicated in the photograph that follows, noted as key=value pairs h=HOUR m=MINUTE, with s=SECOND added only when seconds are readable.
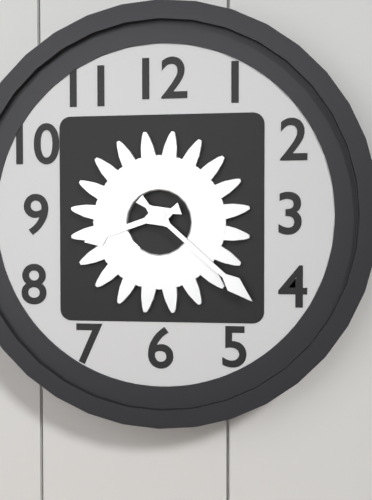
h=8 m=22
